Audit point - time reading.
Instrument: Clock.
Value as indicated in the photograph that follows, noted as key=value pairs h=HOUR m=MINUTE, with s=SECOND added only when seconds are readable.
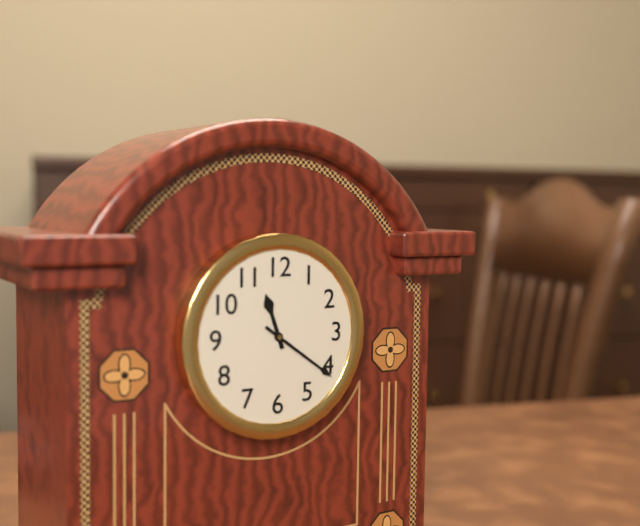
h=11 m=21
